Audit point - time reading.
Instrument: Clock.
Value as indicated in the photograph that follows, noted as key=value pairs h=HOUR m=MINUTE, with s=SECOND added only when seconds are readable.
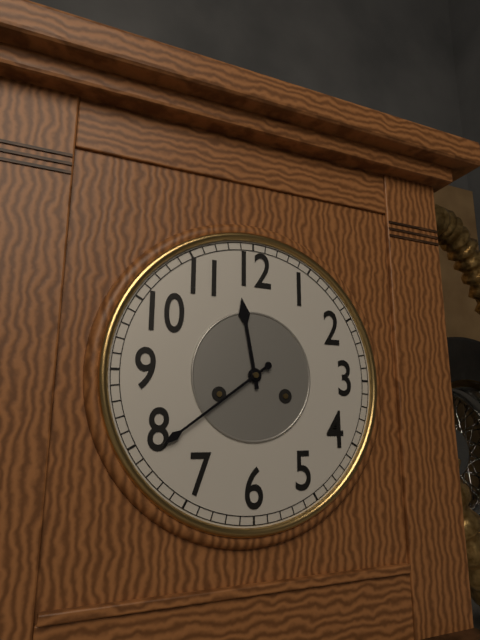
h=11 m=39
